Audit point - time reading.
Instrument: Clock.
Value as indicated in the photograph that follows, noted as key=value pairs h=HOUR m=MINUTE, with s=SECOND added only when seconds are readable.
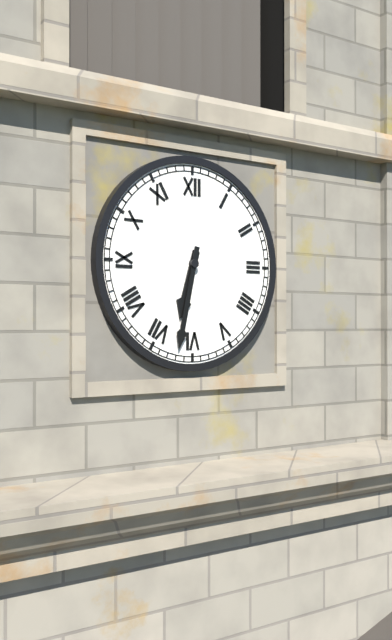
h=6 m=32
